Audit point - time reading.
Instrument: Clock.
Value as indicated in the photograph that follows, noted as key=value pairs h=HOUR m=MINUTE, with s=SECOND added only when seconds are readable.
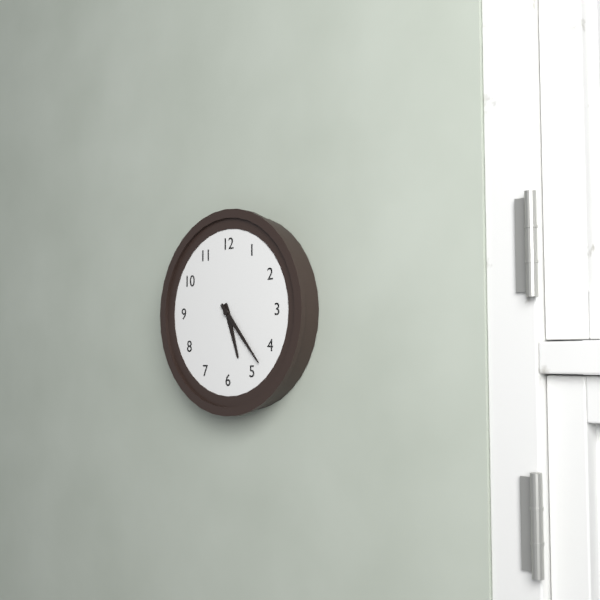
h=5 m=23
